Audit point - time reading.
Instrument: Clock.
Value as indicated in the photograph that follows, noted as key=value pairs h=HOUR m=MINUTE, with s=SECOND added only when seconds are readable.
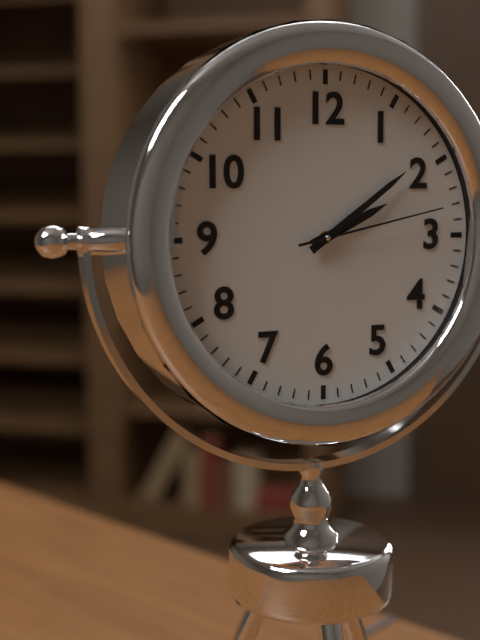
h=2 m=9 s=13
